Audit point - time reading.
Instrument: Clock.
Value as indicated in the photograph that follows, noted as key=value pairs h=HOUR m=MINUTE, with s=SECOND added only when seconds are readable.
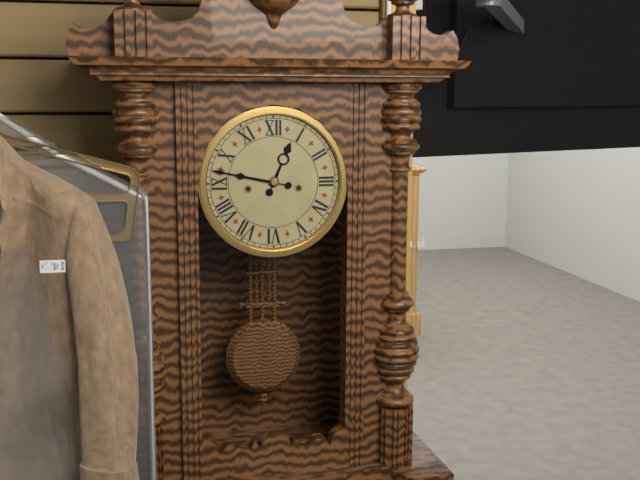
h=12 m=47
